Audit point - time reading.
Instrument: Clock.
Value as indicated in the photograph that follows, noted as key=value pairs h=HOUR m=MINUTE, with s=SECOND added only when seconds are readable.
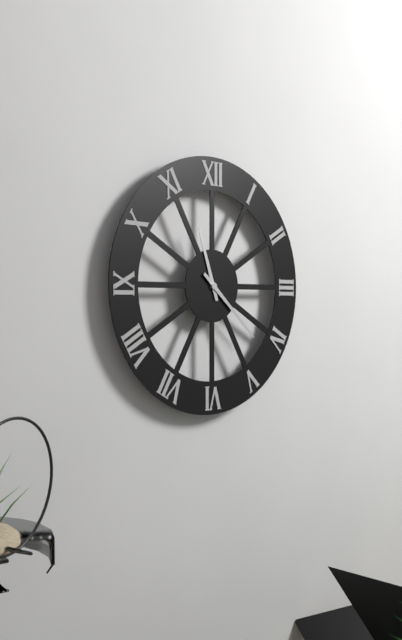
h=11 m=22
